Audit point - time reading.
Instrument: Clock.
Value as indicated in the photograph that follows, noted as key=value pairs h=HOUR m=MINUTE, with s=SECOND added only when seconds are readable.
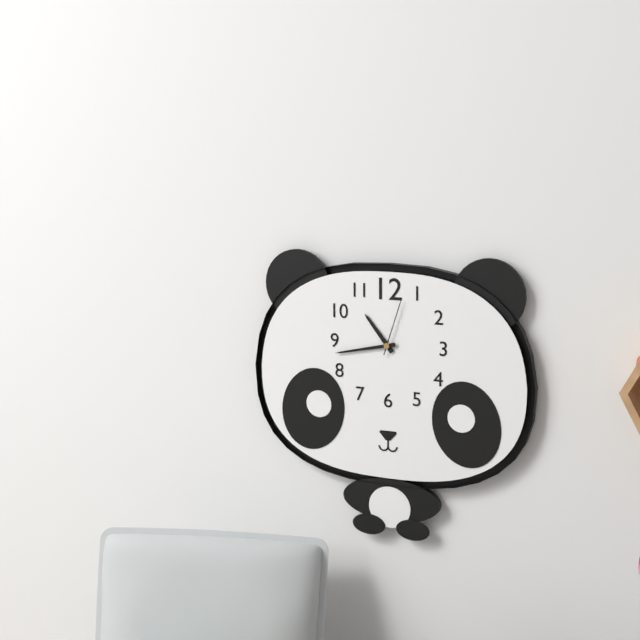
h=10 m=43 s=3
